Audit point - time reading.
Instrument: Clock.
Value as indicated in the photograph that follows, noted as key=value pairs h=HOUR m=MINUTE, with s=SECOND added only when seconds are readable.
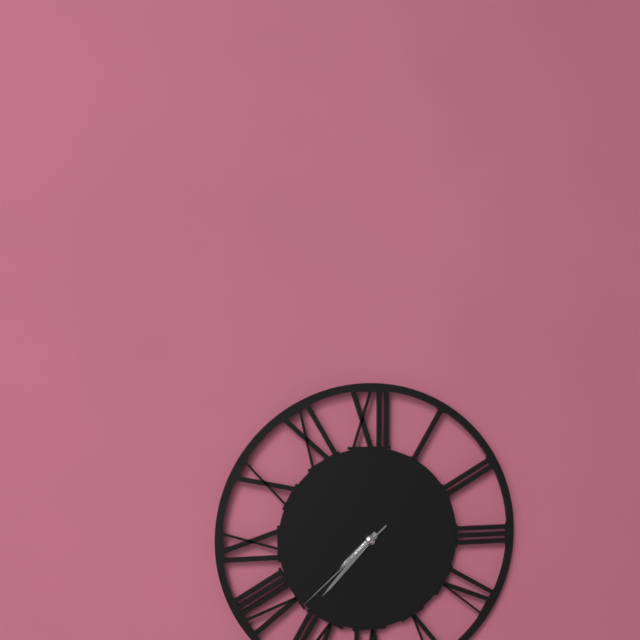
h=7 m=37 s=38
